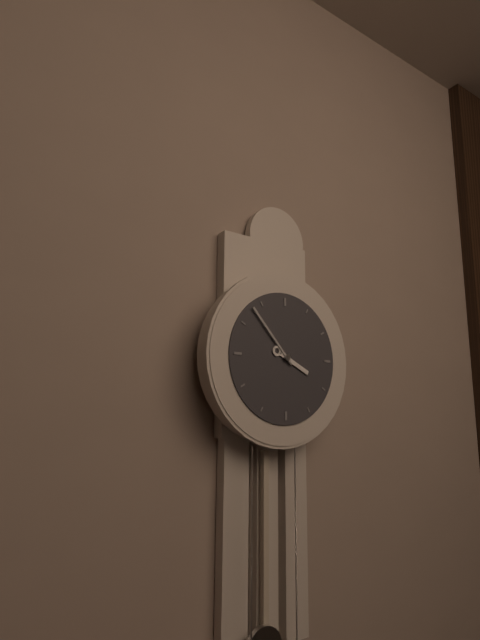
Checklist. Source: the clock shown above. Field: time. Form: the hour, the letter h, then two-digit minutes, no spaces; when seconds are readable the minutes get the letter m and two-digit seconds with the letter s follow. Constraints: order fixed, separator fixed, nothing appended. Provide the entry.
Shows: 3h53
